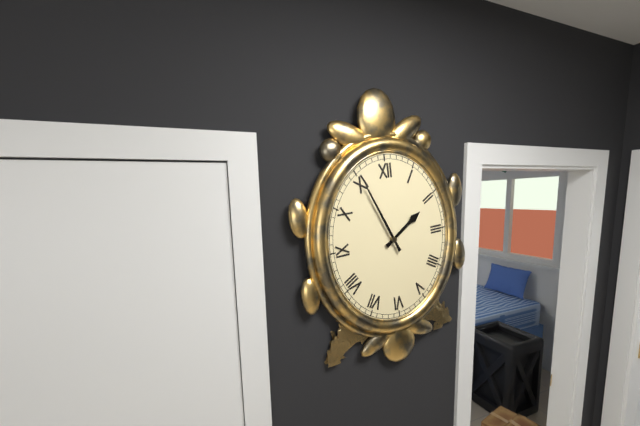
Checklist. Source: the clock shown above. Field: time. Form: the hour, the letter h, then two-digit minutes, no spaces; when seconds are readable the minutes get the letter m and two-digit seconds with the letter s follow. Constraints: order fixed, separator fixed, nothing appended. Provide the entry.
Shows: 1h56
